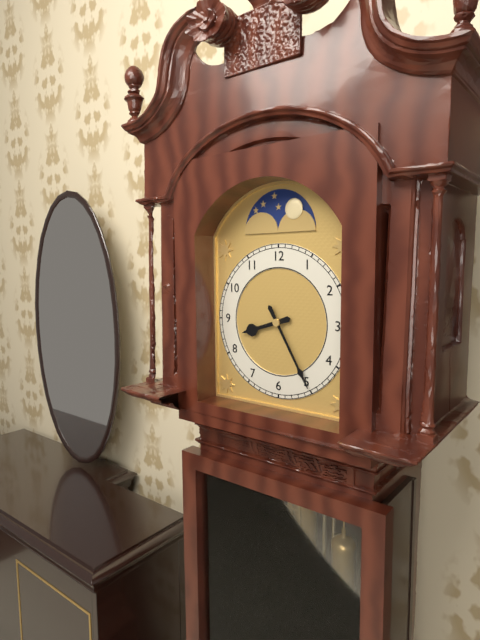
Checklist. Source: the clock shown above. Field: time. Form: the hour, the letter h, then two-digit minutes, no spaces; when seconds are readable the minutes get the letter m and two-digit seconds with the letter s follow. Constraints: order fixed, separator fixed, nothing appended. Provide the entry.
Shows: 8h25
